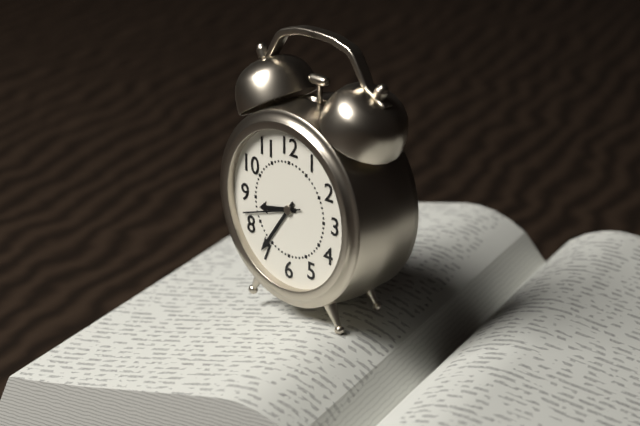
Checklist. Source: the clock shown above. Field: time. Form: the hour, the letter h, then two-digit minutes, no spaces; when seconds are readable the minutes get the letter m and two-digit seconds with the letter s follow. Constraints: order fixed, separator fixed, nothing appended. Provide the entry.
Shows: 8h36m42s
